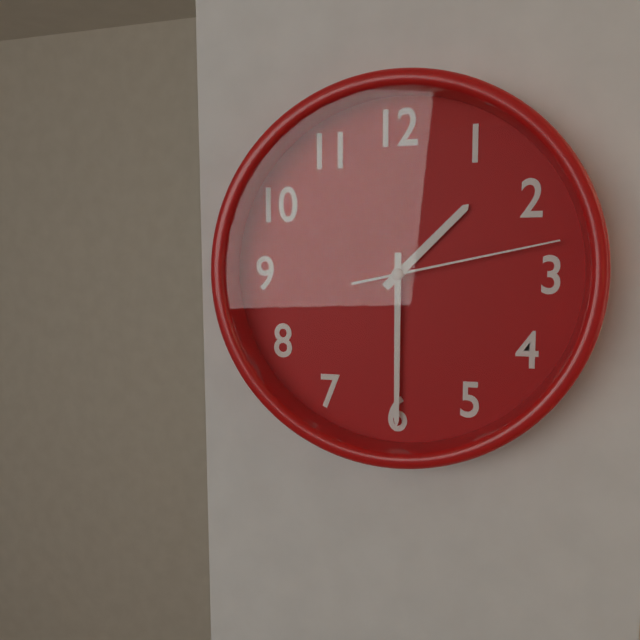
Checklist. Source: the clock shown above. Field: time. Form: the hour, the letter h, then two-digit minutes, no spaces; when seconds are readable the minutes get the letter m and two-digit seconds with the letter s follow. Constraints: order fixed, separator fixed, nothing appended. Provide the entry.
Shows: 1h30m13s
